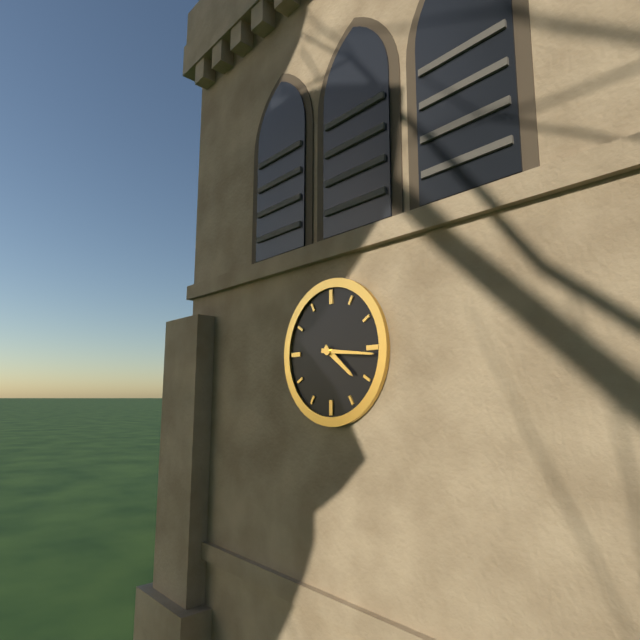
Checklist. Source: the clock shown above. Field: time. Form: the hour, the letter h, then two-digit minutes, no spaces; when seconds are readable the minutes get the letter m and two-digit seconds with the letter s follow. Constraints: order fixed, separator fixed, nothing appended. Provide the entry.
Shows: 4h16
